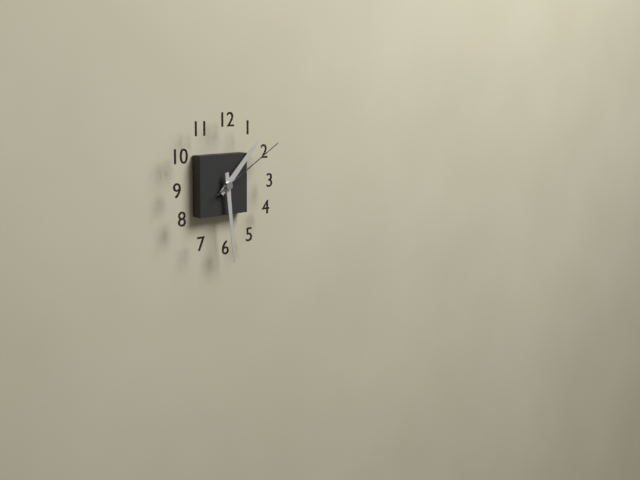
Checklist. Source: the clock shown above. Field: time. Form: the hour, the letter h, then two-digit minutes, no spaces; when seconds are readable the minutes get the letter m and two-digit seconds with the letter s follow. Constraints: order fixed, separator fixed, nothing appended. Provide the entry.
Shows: 1h29m10s
